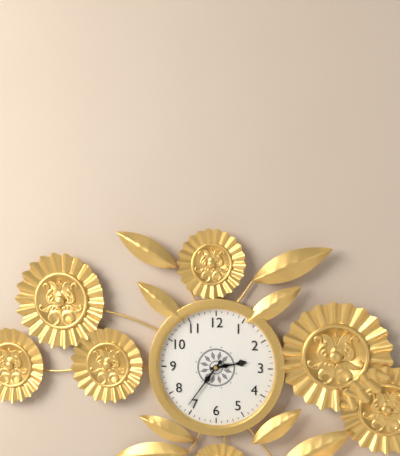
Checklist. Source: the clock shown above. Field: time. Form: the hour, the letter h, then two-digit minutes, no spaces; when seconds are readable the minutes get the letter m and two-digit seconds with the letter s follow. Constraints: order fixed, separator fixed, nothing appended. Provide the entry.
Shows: 2h36
